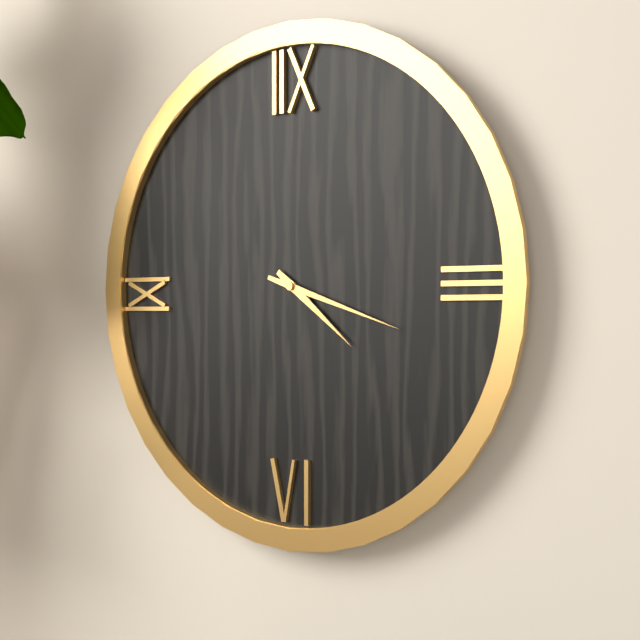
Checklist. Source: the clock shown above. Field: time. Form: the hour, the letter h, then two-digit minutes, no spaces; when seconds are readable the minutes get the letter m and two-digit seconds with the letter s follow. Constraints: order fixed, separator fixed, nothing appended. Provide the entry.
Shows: 4h18
